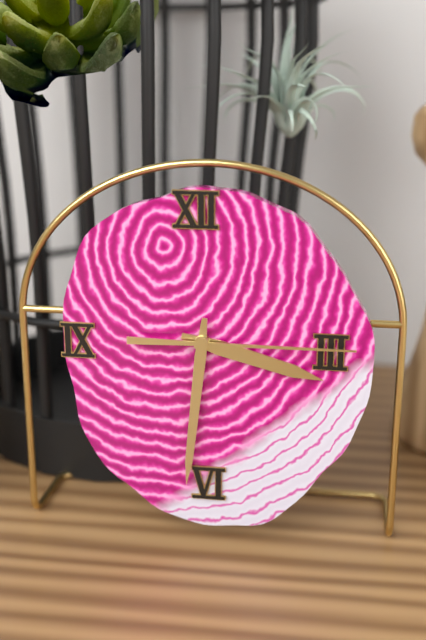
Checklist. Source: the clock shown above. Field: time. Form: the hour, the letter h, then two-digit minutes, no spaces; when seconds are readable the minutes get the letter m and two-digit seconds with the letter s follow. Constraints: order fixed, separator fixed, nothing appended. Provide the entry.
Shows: 3h31m15s
